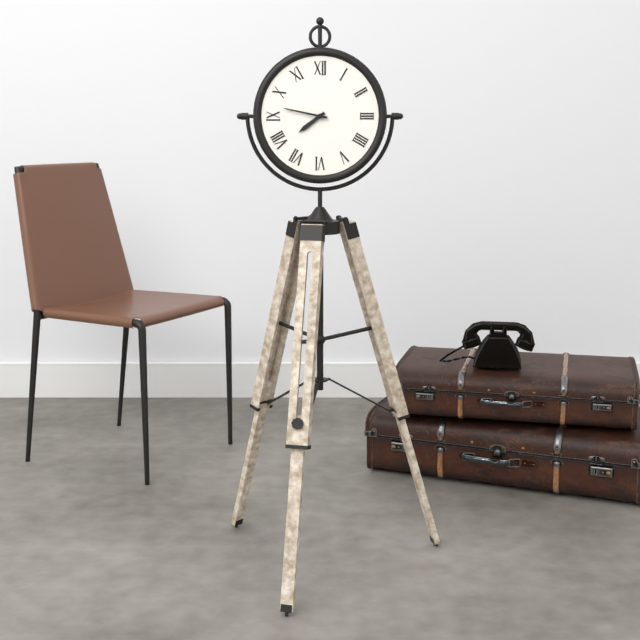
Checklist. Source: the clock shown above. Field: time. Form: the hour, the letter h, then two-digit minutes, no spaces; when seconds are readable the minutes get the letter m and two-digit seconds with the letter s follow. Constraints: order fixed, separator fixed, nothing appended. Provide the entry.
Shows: 7h47
